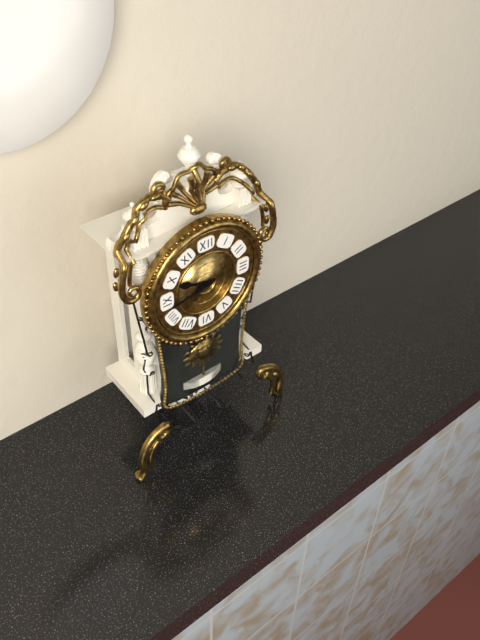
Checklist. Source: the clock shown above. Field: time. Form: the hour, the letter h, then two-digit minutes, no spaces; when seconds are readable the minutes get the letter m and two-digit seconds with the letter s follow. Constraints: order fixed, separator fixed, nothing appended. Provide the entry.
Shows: 9h43
